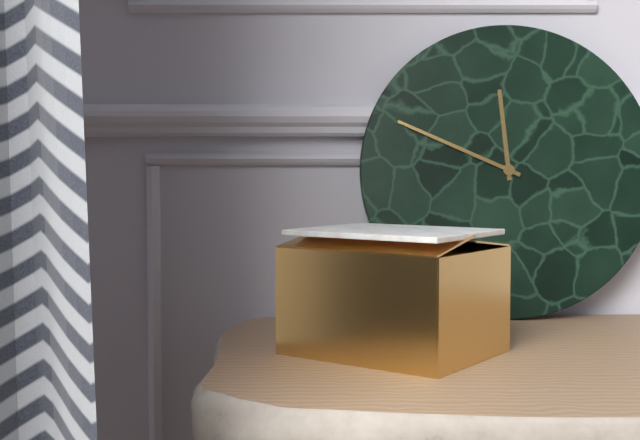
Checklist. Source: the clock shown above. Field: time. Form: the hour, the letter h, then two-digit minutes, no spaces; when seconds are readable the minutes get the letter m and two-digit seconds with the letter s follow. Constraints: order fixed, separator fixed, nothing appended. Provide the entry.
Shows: 11h49
